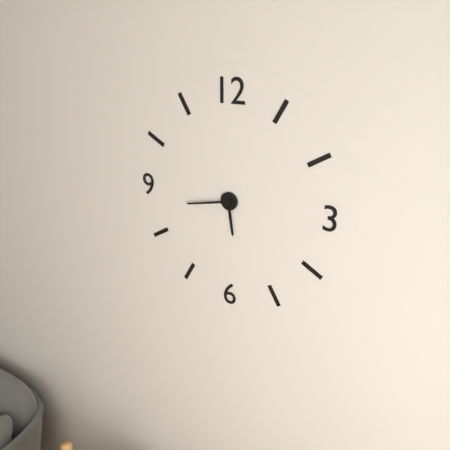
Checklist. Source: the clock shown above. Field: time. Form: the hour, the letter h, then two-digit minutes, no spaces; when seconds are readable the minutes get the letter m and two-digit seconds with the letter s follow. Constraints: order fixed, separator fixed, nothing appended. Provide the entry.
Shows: 5h43
